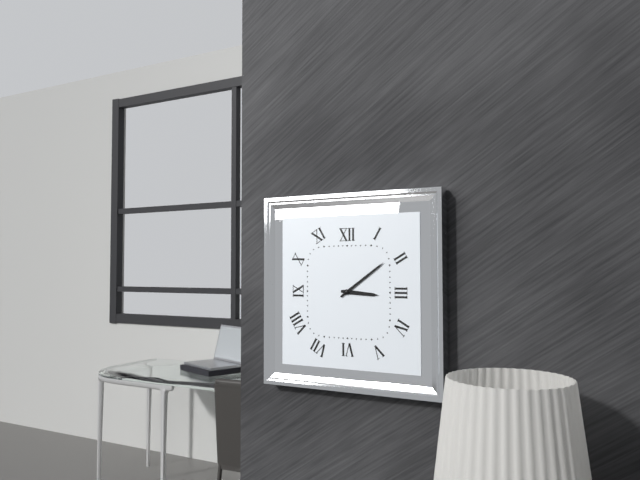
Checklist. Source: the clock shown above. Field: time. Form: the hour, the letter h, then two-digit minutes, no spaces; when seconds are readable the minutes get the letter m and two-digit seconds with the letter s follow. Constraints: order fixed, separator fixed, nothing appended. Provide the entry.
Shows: 3h09
